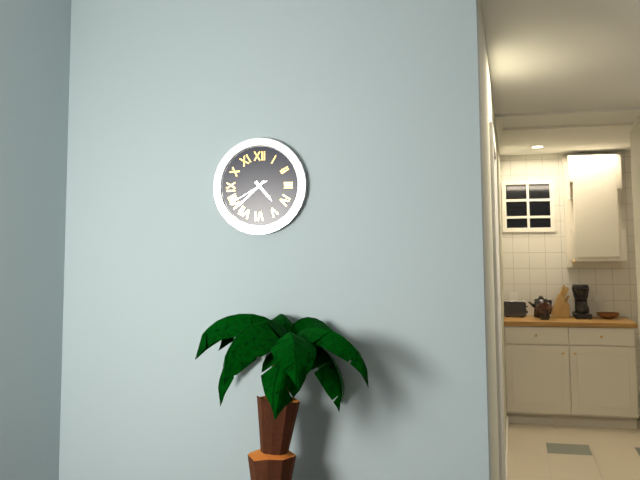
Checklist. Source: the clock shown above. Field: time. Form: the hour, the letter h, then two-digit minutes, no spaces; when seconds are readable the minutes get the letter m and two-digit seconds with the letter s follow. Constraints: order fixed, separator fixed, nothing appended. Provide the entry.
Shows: 4h38
